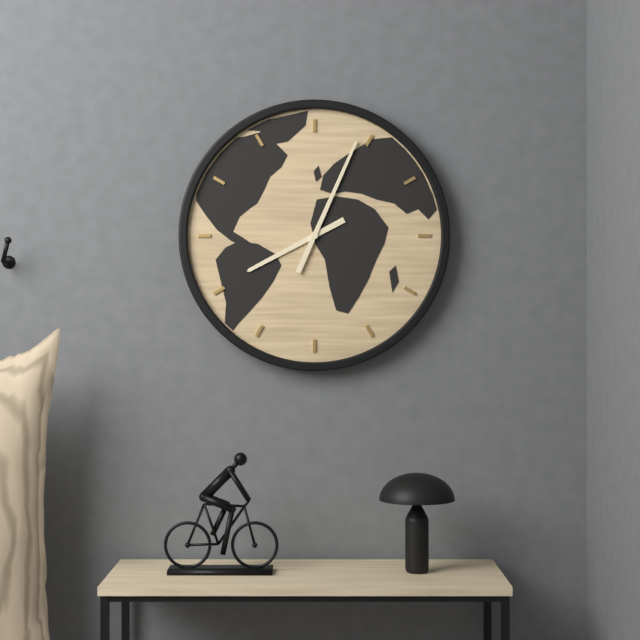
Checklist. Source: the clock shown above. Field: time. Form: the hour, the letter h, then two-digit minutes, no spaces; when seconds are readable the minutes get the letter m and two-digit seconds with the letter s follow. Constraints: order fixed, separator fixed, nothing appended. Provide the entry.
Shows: 8h04
